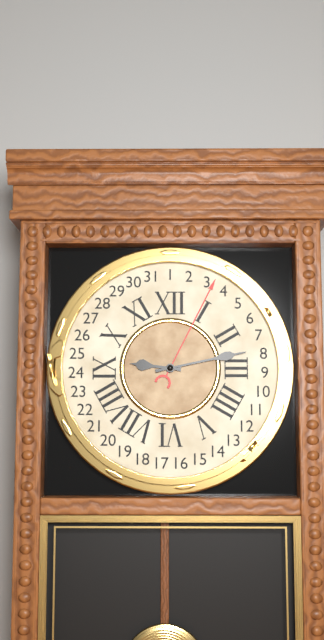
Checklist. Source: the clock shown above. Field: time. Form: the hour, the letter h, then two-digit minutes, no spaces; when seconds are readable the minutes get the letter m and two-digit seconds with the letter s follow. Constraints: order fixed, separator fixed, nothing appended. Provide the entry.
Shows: 9h13
